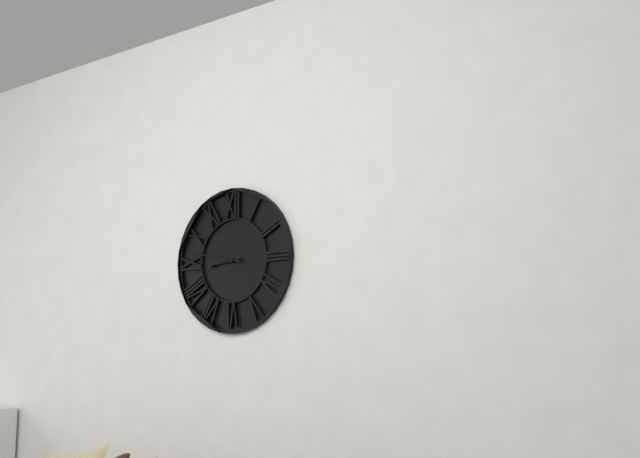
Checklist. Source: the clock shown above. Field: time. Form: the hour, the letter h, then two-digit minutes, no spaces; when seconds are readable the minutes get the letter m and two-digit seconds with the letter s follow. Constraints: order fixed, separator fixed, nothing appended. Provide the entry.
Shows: 8h47
